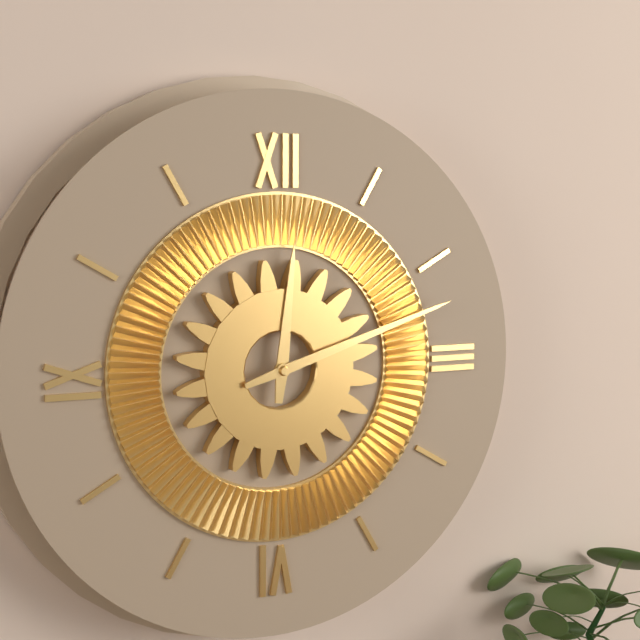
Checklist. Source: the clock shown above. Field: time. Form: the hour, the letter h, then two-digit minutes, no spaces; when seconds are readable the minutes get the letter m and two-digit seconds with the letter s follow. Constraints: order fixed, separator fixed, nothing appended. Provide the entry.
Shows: 12h12
